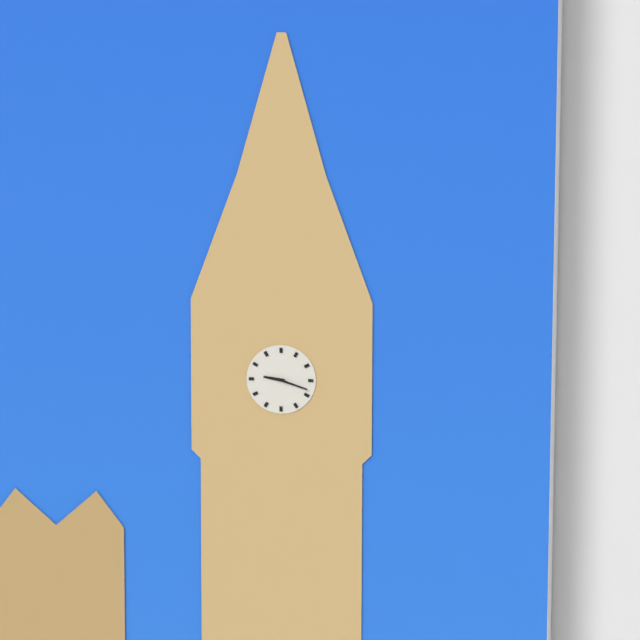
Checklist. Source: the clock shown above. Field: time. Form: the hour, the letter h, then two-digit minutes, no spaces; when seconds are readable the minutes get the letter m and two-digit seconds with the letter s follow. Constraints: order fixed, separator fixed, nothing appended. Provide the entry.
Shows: 9h18
